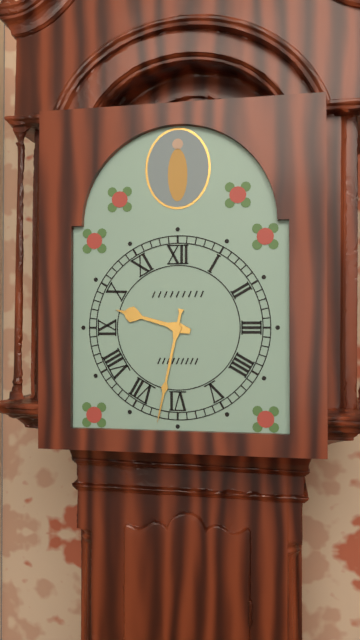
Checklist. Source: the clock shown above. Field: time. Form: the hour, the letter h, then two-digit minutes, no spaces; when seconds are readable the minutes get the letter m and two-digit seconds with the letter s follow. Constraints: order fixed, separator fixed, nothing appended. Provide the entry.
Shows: 9h32
